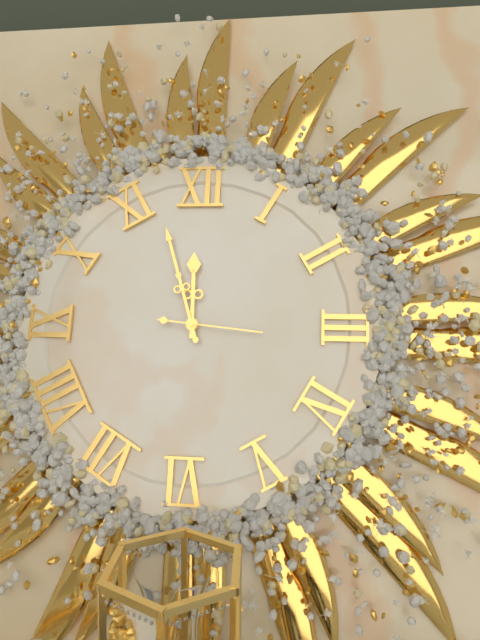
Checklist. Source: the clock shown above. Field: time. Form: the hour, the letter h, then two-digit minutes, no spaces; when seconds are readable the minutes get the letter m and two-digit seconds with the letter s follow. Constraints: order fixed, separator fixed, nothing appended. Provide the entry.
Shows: 11h57m16s
